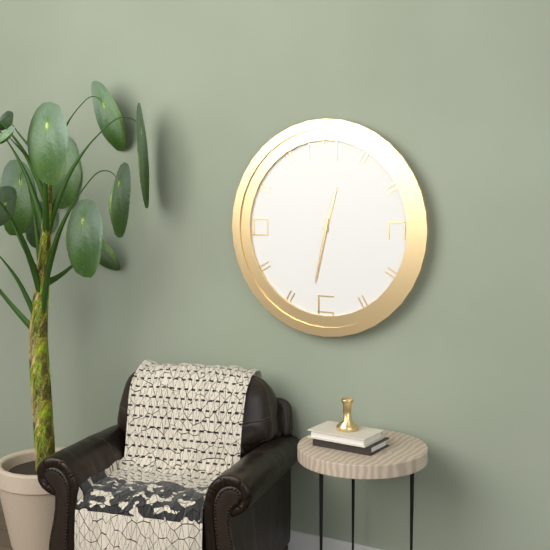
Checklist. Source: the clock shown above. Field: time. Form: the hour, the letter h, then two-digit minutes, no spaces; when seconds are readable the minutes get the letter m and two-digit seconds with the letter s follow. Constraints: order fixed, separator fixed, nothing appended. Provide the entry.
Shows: 12h32
